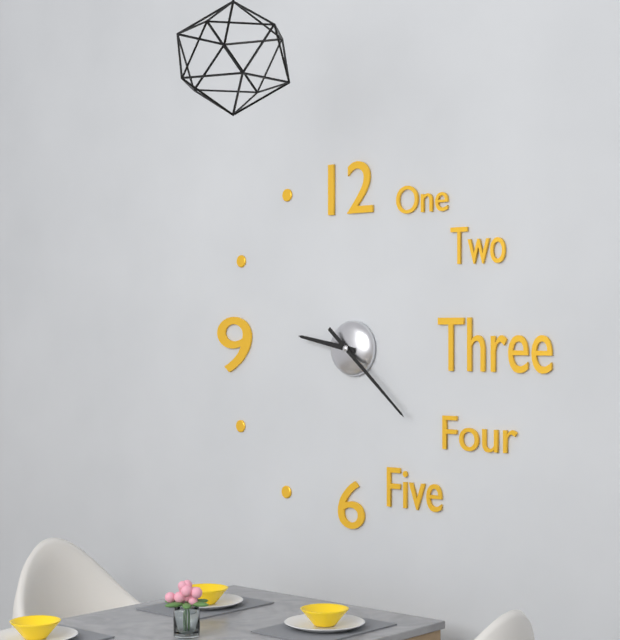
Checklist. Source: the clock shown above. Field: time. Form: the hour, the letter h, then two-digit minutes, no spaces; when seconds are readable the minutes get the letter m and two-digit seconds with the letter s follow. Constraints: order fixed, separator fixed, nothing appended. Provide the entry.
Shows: 9h22
